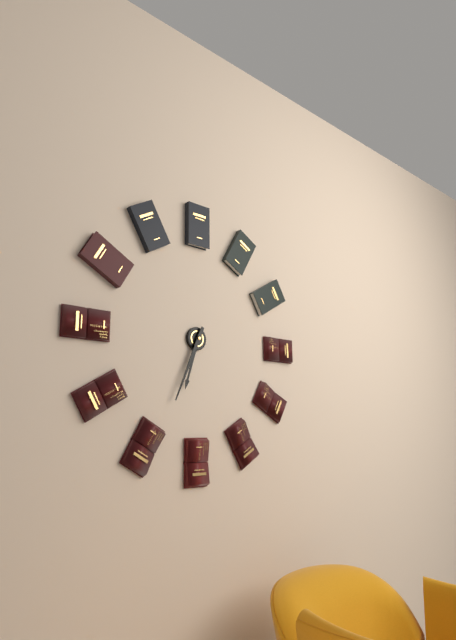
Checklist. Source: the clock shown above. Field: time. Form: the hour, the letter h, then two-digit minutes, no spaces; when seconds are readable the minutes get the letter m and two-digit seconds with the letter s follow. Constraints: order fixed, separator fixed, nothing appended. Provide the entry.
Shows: 6h34
